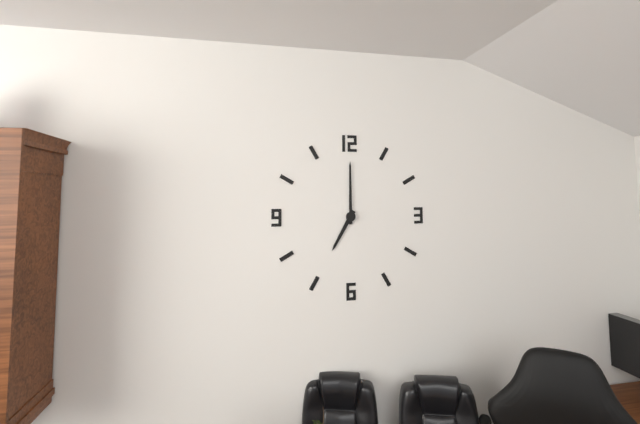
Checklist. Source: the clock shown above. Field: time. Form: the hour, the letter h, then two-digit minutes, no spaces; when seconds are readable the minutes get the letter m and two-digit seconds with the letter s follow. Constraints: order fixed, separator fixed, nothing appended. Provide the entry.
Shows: 7h00
